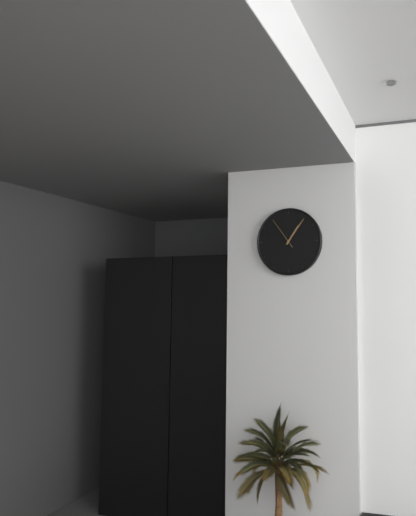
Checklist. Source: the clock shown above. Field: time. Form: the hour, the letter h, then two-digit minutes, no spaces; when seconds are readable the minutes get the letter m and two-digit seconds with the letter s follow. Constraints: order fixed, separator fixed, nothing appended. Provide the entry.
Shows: 1h06
